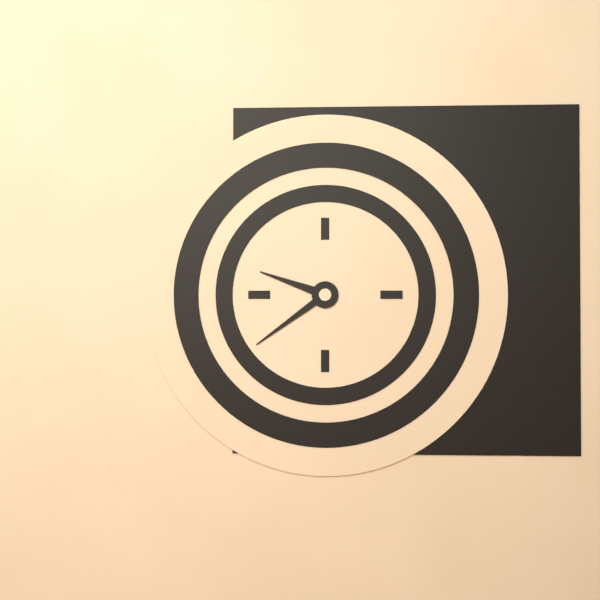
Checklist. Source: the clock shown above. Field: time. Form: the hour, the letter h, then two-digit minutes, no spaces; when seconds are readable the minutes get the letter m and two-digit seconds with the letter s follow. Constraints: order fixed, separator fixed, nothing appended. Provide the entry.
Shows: 9h39
